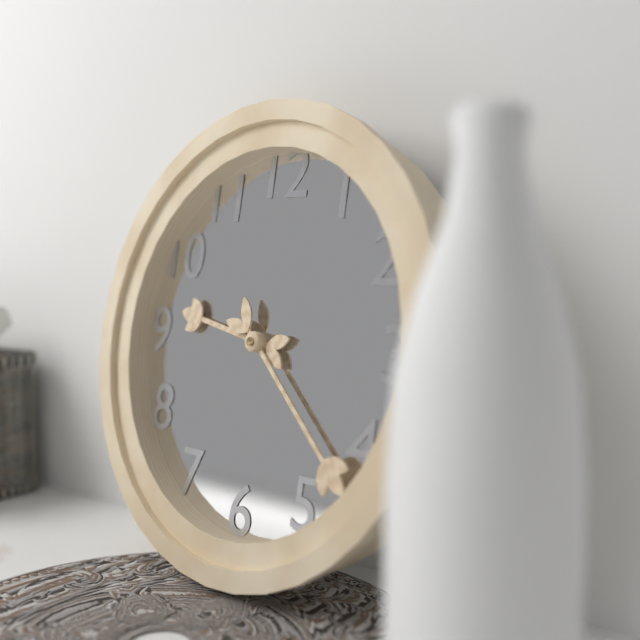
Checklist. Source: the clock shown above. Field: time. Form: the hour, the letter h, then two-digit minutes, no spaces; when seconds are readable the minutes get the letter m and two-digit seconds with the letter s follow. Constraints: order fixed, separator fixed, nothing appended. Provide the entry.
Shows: 9h22
